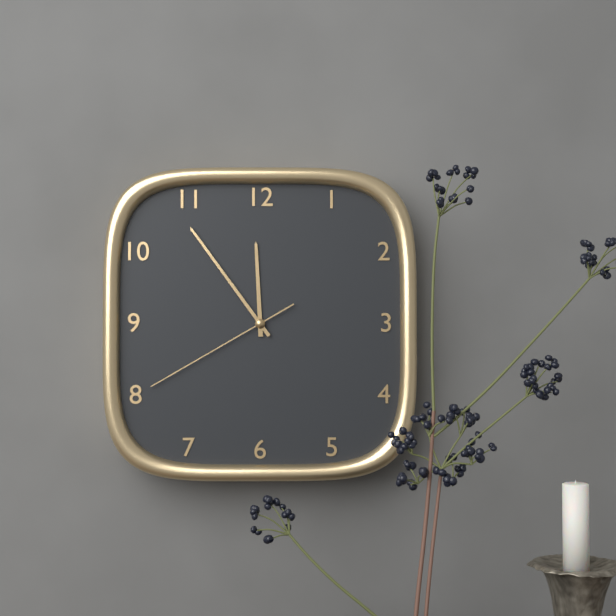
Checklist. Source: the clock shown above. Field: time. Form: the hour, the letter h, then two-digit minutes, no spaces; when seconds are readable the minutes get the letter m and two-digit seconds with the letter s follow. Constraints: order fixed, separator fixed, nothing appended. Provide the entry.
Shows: 11h54m40s
